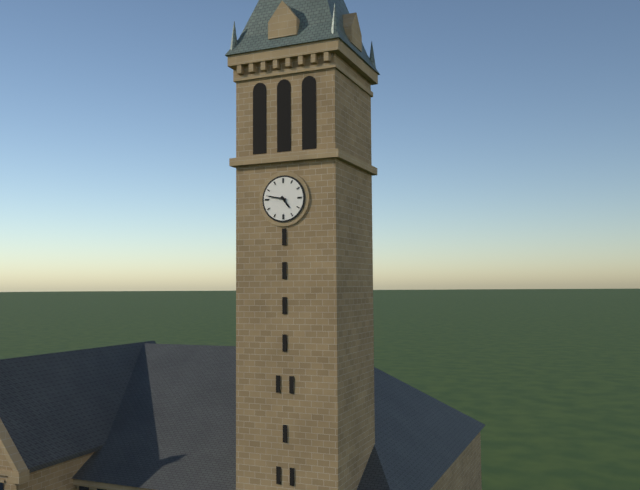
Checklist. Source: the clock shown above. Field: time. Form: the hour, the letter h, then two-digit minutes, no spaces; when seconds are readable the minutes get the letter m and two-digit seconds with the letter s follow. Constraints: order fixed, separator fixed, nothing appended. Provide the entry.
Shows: 4h47
